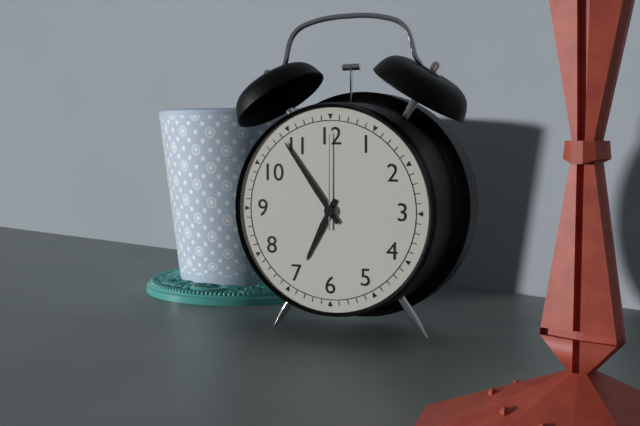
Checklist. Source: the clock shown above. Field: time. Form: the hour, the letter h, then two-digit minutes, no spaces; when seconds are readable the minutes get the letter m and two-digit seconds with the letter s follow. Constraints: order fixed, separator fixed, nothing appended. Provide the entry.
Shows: 6h54m00s
